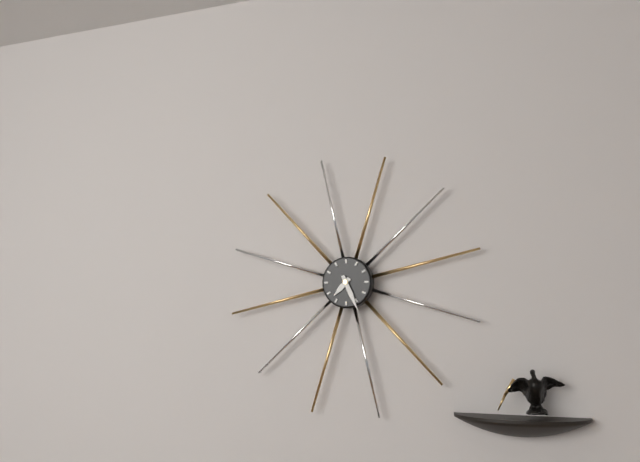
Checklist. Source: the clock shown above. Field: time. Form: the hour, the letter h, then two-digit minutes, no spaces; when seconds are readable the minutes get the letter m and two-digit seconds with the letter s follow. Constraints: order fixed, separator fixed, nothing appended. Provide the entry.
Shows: 7h26
